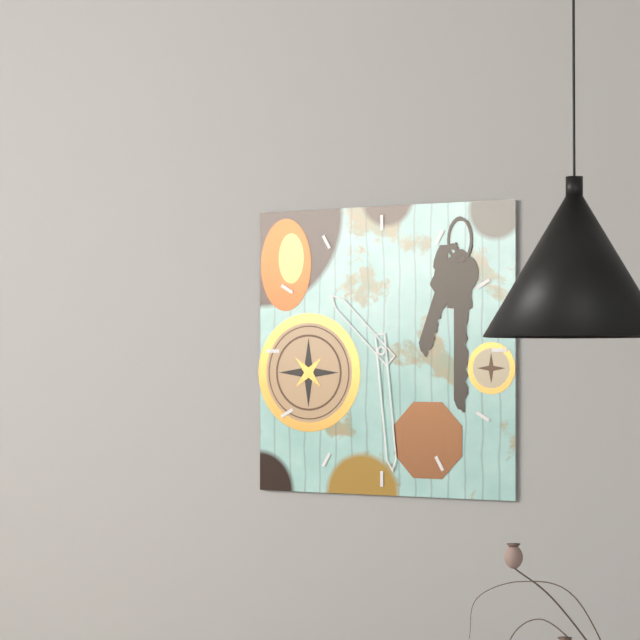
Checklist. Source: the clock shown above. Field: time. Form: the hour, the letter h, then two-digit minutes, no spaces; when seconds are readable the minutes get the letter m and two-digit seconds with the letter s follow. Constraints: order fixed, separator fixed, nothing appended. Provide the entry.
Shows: 10h29
